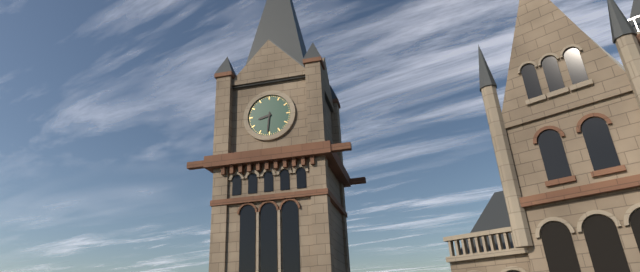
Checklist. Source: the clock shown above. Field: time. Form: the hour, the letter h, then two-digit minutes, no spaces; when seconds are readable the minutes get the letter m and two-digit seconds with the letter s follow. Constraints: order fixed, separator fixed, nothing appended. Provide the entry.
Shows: 8h31
